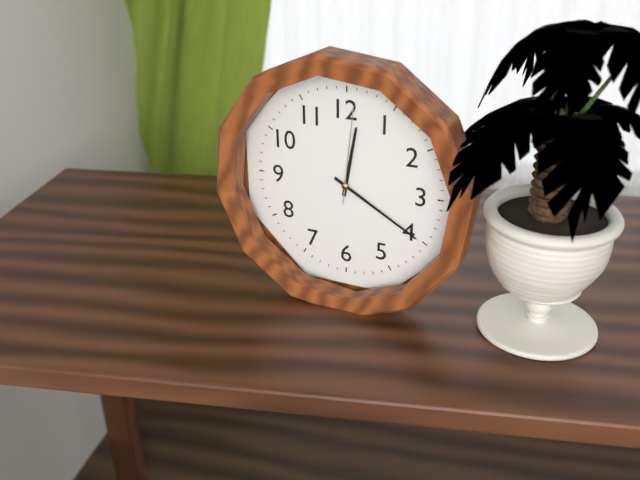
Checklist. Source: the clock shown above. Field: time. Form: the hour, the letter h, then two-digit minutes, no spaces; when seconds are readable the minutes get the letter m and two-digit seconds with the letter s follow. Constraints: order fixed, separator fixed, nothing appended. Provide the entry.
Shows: 12h20m01s
